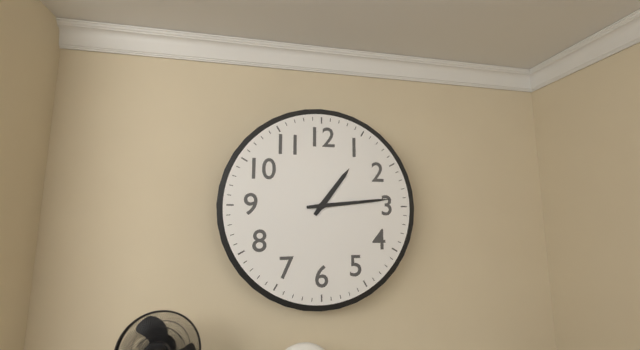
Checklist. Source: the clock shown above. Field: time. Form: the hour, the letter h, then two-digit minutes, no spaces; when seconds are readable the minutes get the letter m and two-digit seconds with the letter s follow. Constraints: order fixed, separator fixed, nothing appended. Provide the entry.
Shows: 1h14
